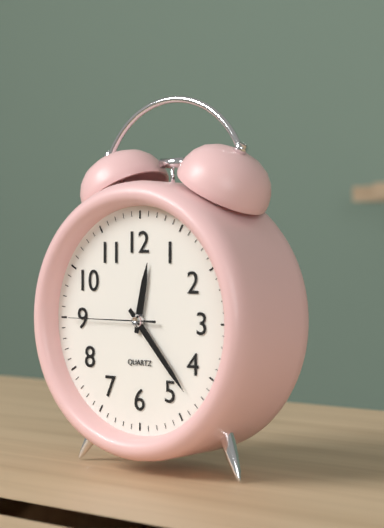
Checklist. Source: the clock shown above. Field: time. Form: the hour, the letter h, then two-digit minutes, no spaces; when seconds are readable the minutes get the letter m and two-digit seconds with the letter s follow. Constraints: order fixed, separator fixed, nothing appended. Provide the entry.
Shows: 12h23m45s
